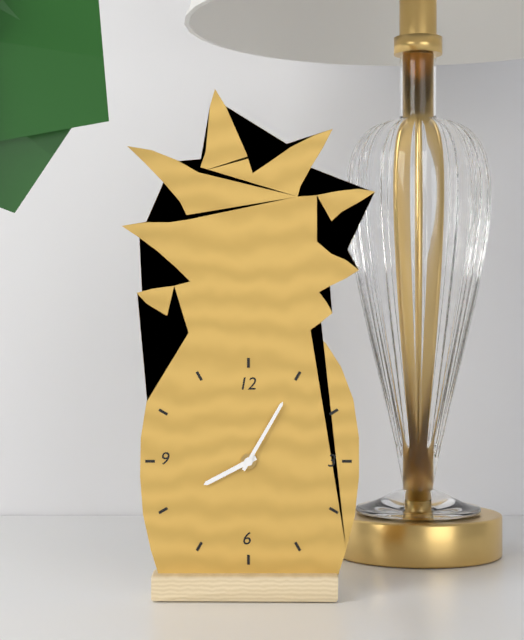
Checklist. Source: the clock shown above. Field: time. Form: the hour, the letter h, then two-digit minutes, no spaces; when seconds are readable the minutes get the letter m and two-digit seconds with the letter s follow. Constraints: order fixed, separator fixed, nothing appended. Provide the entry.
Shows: 8h05
